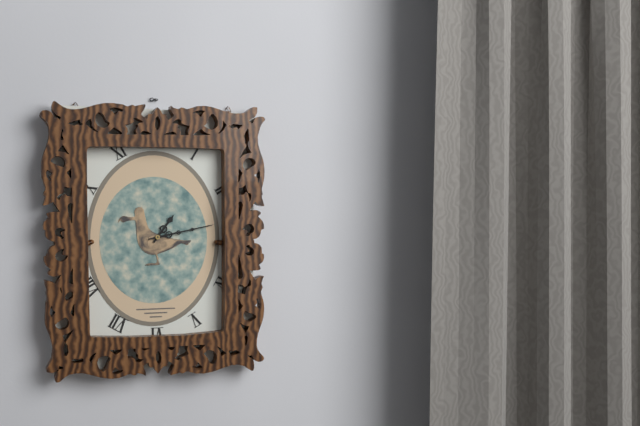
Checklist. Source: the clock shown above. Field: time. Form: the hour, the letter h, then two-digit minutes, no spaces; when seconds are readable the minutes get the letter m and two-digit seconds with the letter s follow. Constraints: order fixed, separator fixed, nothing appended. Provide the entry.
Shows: 1h13
